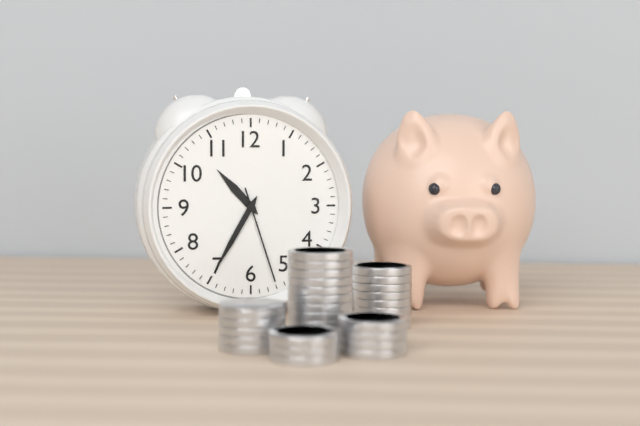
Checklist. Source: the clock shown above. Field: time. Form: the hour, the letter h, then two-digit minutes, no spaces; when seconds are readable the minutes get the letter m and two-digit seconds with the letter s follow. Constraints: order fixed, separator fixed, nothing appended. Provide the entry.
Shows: 10h35m27s
